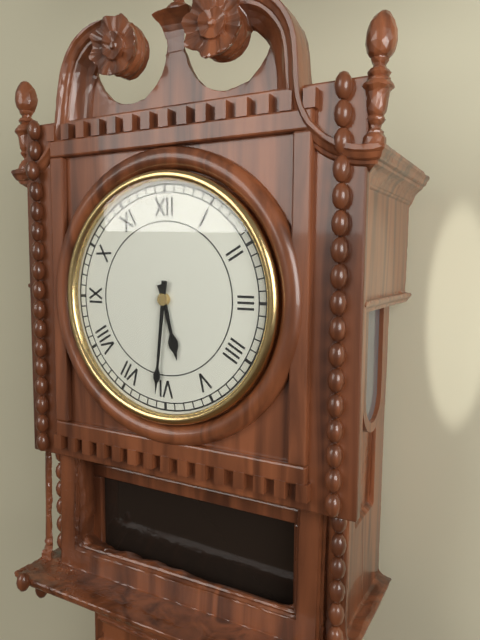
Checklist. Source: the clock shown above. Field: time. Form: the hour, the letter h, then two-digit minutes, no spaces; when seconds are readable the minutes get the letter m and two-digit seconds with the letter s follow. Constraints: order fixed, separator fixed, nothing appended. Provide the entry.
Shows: 5h31
